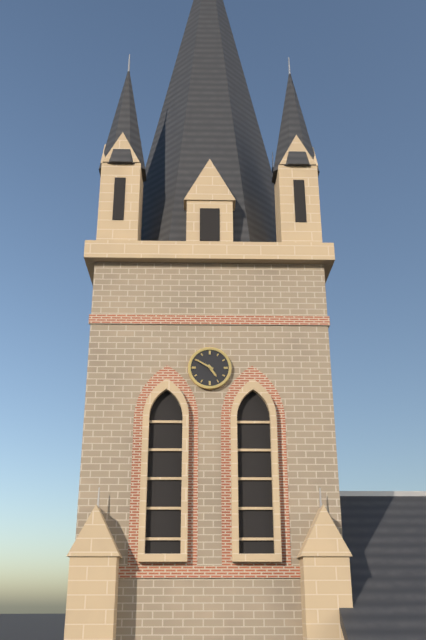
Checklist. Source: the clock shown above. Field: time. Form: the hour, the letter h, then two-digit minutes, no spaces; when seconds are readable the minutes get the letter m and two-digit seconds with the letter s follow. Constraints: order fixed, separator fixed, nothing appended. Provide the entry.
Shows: 4h50
